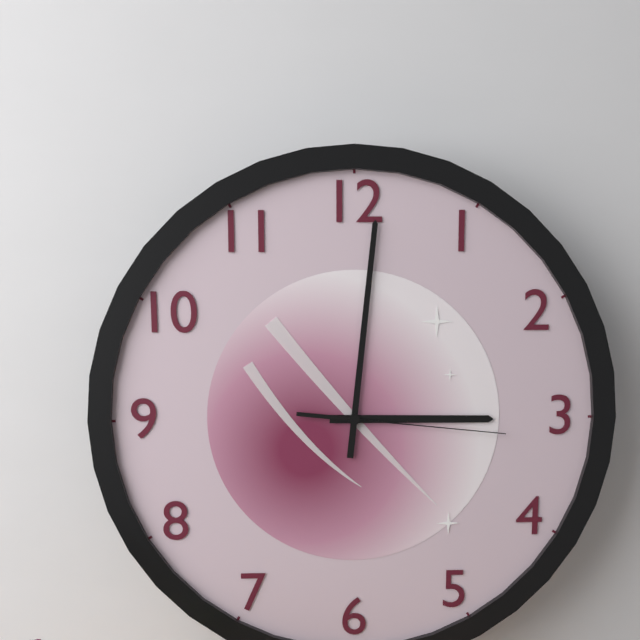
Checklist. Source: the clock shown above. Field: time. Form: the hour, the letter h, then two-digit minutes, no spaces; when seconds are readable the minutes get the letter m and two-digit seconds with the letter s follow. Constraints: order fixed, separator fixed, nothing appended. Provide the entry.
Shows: 3h01m16s
